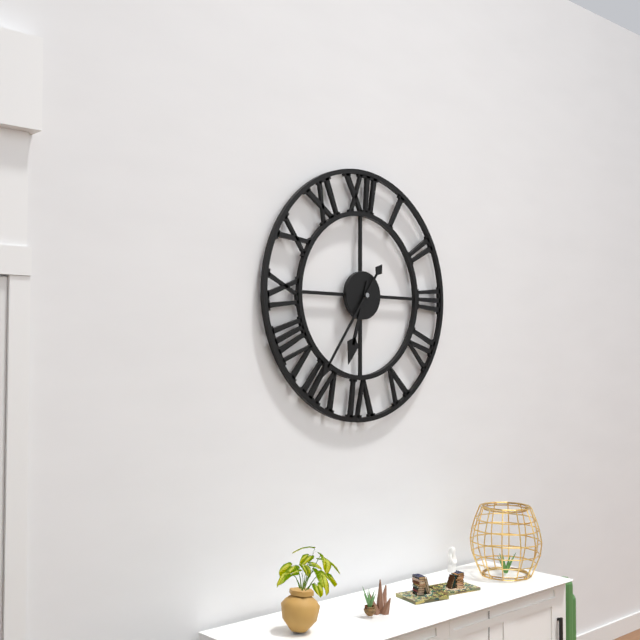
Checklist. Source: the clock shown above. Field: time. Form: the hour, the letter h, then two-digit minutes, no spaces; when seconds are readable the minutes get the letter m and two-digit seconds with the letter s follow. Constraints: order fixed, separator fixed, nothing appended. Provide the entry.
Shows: 6h36
